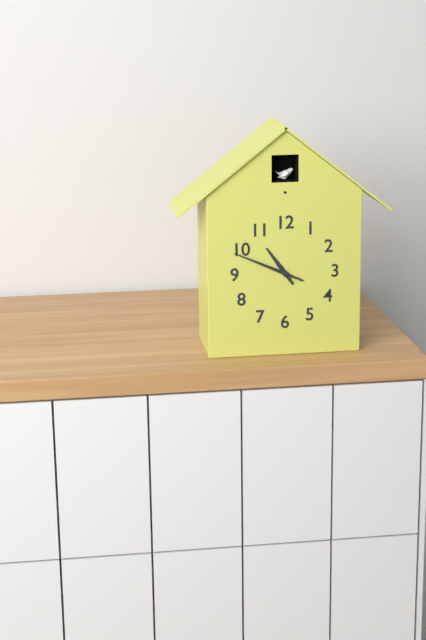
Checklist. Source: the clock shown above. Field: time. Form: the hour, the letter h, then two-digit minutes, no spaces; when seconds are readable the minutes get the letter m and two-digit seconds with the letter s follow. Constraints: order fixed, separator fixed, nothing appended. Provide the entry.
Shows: 10h49
